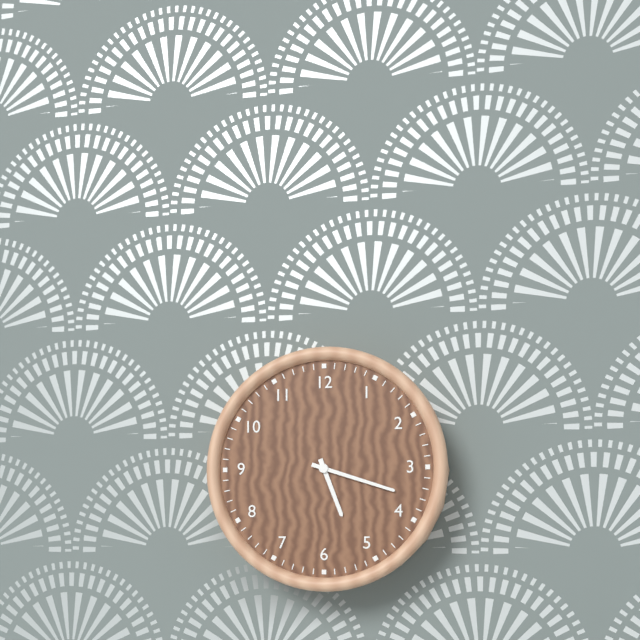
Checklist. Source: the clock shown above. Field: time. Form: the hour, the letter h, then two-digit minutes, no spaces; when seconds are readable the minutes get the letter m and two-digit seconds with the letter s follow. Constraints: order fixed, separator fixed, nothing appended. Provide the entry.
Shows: 5h18
